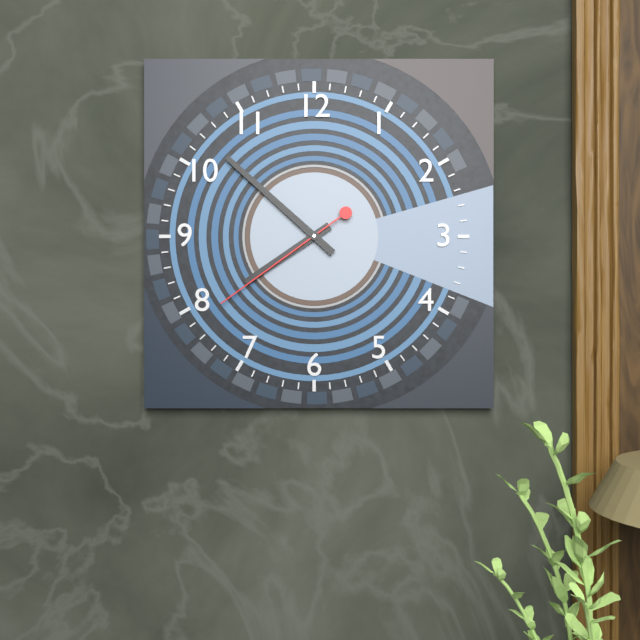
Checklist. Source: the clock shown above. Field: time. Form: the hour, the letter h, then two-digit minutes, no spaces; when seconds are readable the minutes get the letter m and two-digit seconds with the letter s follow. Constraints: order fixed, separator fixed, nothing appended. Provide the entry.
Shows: 7h52m39s
